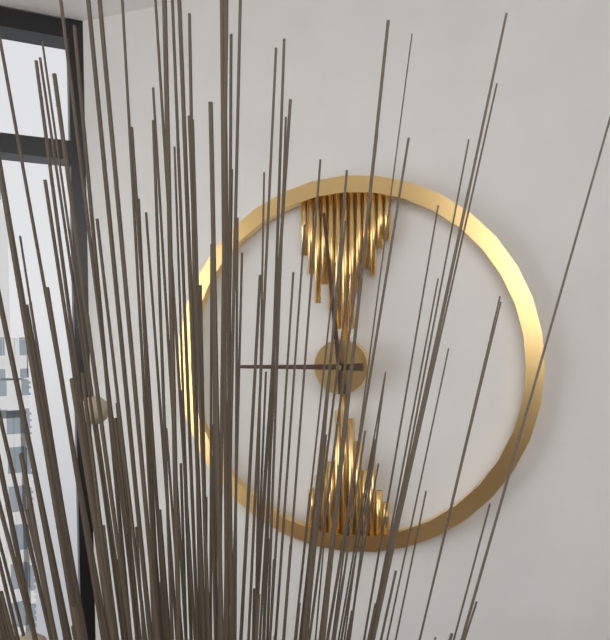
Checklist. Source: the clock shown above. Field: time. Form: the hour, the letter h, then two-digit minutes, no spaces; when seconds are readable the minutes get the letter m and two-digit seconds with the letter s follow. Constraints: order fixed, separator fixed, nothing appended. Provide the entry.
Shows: 8h59
